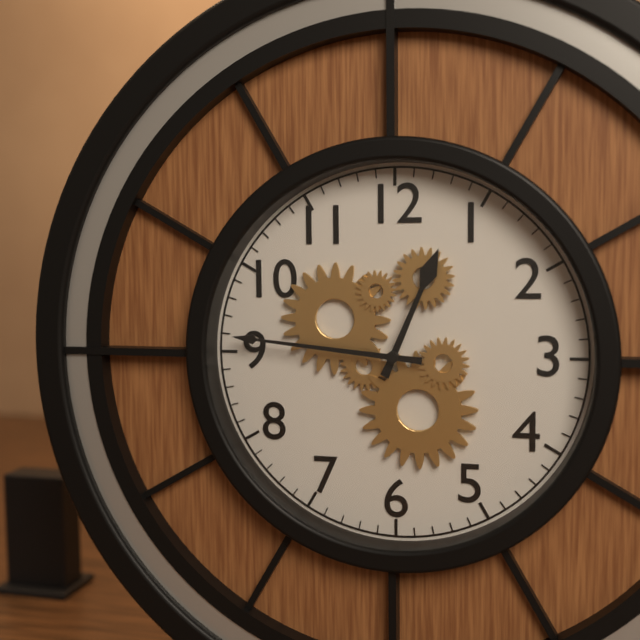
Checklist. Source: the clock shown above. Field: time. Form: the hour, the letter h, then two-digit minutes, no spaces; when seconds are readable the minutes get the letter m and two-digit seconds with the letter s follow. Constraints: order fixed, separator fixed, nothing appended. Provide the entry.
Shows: 12h46
